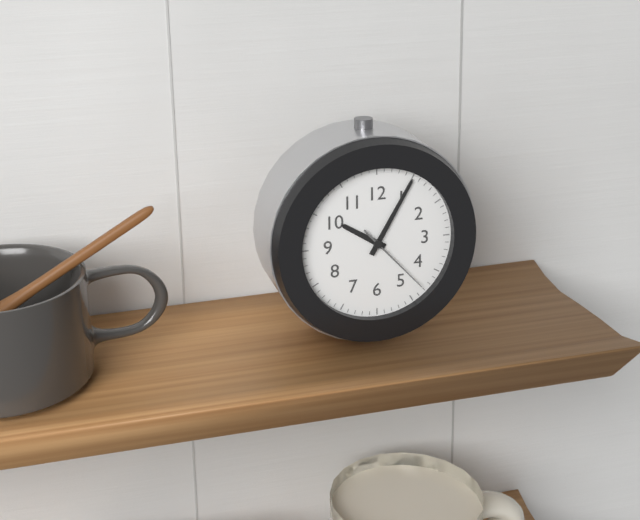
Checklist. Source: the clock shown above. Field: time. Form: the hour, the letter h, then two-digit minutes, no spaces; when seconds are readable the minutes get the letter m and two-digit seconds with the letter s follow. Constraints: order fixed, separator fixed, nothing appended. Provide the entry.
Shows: 10h05m23s
